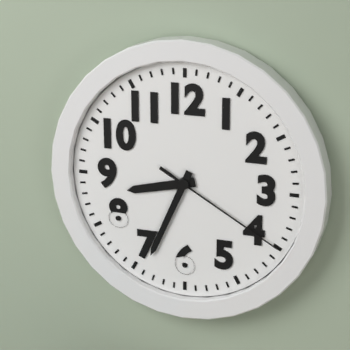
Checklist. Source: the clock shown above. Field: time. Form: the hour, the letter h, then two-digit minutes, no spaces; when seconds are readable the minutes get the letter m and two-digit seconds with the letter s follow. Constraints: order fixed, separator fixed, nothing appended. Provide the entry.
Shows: 8h34m20s
